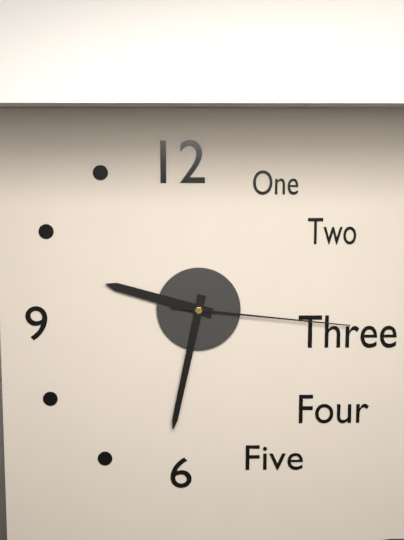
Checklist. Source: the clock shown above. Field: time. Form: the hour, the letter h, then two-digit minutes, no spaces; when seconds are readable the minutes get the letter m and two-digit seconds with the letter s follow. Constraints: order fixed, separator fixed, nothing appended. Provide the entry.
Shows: 9h32m16s
